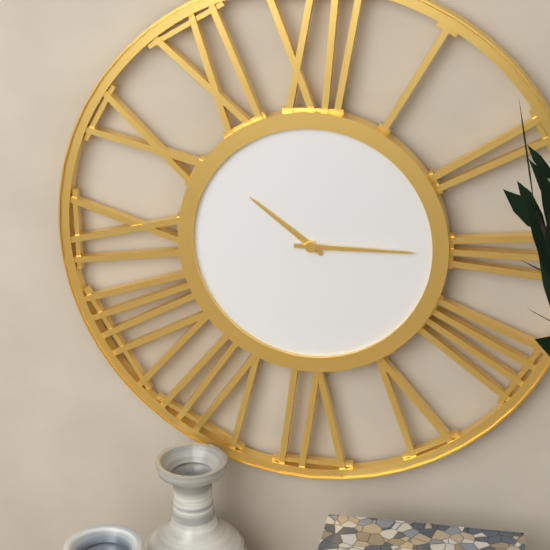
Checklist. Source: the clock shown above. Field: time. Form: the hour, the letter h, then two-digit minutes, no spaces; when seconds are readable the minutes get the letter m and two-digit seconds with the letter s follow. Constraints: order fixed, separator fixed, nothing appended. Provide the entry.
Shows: 10h15
